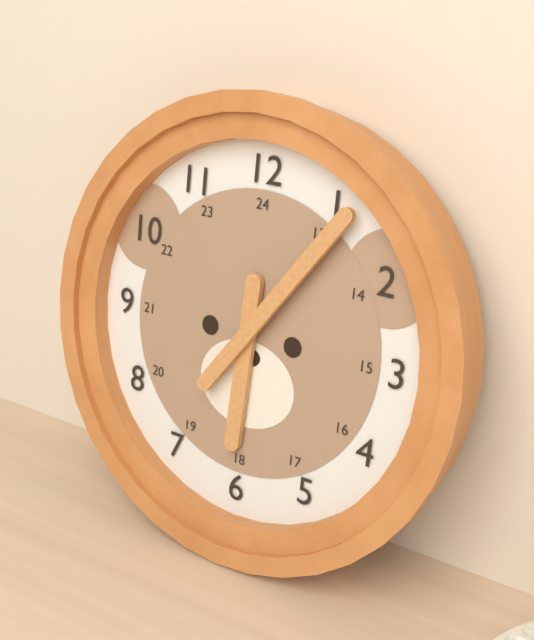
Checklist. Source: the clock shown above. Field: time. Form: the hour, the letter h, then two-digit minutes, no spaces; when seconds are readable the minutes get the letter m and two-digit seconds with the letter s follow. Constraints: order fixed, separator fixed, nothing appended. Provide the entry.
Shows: 6h06
